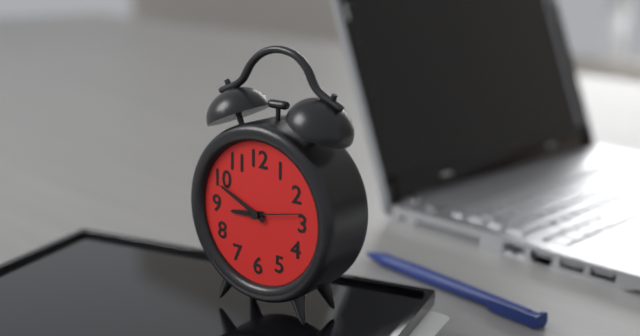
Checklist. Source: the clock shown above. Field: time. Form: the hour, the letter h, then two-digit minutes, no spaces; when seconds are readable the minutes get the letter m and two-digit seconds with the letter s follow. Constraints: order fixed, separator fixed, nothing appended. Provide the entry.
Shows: 8h49m13s
